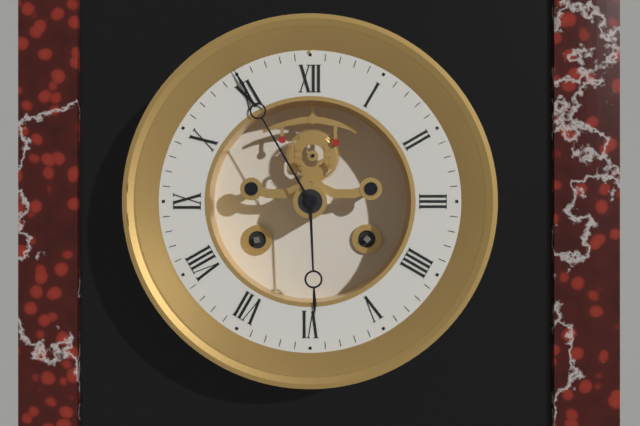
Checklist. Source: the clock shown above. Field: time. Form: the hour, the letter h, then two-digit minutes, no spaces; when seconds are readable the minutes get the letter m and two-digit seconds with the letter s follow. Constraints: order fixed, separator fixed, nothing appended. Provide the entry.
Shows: 5h55
